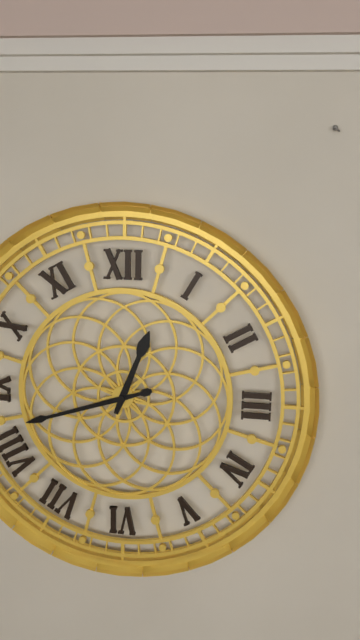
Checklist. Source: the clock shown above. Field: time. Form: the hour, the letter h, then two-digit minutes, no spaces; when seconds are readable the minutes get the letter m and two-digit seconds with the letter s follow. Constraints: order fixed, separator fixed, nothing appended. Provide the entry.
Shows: 12h42
